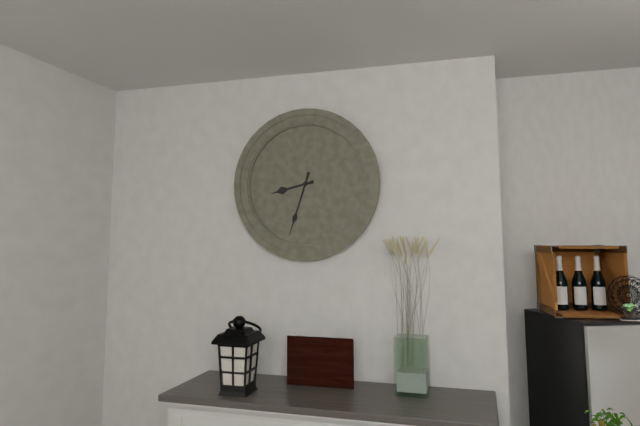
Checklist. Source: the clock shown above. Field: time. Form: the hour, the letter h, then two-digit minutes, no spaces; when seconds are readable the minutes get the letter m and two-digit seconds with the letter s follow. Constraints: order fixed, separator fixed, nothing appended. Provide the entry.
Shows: 8h33
